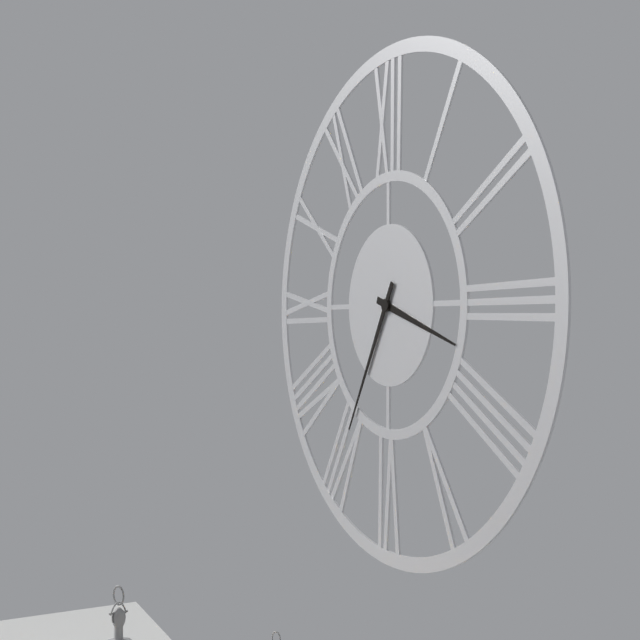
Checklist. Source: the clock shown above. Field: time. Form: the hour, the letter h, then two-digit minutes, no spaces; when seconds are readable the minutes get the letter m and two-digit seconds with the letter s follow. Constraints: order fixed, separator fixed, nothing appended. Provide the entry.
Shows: 3h35
